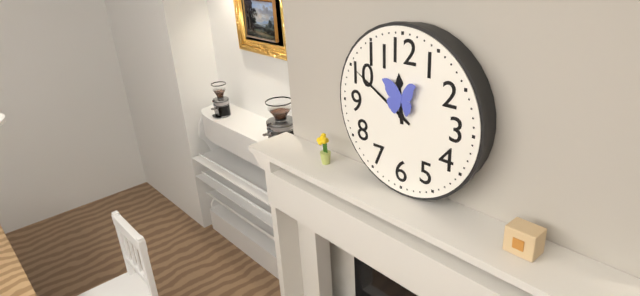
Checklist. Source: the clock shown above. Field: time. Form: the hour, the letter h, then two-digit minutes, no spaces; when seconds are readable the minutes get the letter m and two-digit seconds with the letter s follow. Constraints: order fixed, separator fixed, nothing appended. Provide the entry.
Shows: 11h50
